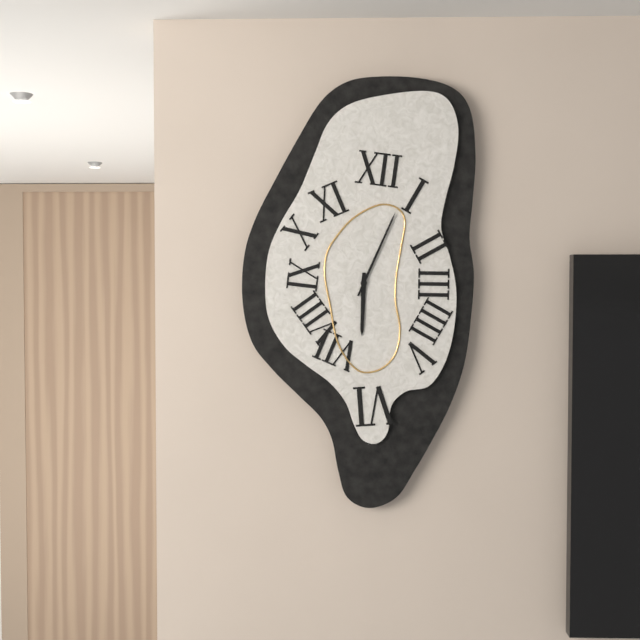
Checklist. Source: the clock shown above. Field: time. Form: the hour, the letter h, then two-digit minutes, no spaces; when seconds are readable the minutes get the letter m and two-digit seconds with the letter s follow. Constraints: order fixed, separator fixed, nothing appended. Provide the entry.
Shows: 6h04
